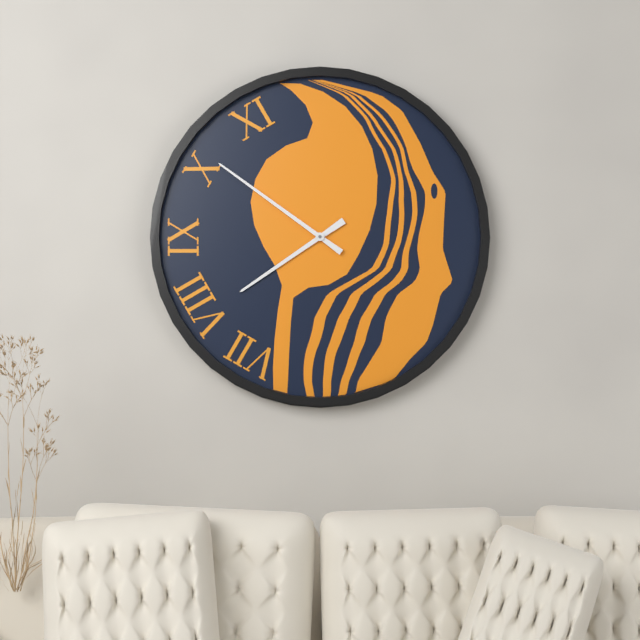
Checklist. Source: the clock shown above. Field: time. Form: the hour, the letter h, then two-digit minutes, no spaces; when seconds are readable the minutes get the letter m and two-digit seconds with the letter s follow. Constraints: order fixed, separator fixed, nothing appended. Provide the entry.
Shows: 7h51
